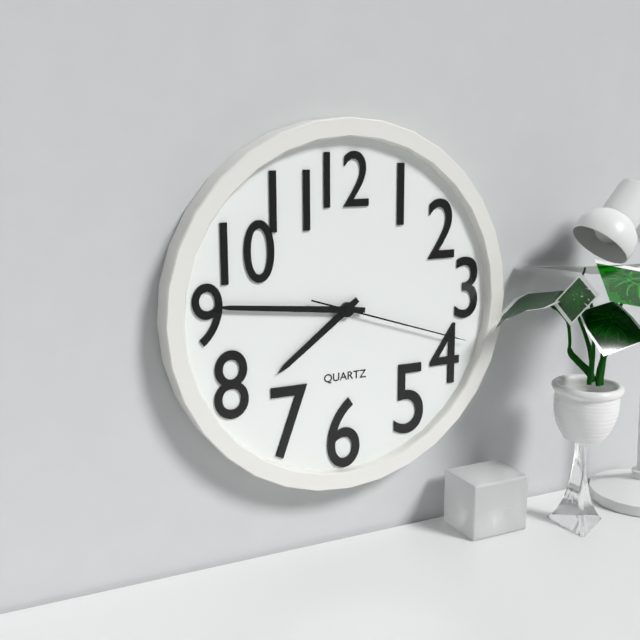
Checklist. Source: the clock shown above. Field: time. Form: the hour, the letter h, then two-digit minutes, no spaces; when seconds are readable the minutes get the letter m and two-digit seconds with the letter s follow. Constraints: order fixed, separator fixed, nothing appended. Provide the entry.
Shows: 7h46m18s
